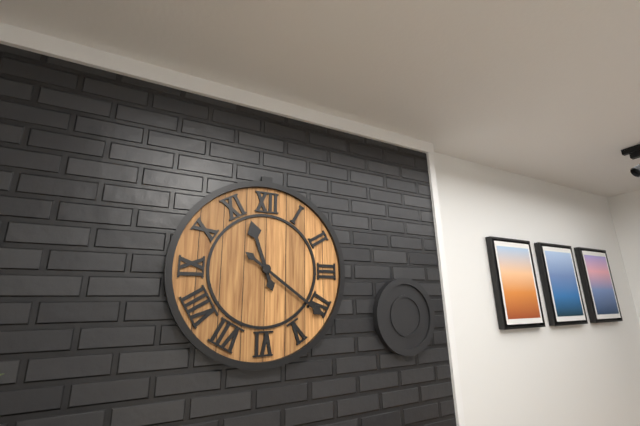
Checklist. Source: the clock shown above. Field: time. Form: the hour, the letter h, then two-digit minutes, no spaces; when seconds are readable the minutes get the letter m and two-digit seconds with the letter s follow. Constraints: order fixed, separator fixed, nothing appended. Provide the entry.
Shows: 11h21
